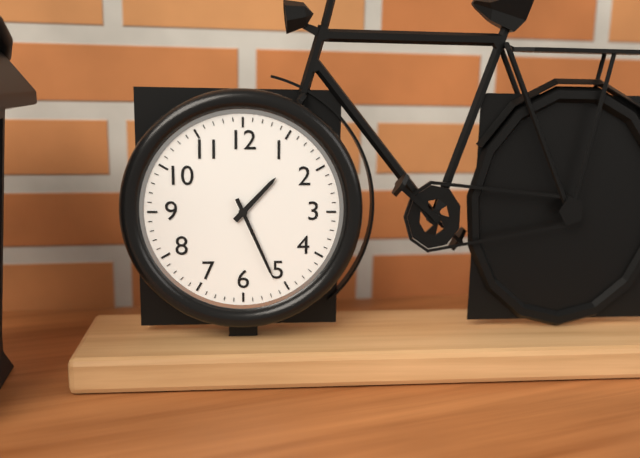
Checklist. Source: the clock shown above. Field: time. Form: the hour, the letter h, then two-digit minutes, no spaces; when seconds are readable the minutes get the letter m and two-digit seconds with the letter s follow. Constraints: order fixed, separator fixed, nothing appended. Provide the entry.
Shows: 1h26
